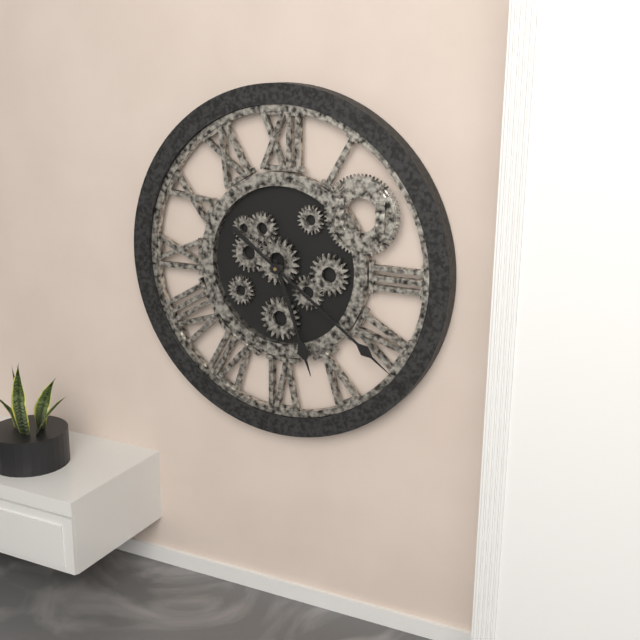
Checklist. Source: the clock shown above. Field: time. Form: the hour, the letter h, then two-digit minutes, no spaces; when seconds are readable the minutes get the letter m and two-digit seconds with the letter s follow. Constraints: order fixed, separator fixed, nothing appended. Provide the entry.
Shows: 5h21
